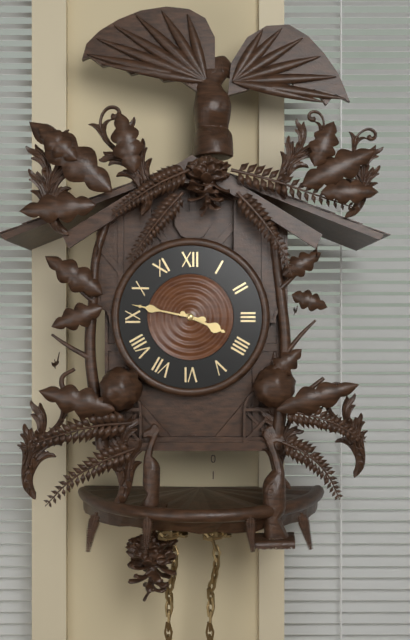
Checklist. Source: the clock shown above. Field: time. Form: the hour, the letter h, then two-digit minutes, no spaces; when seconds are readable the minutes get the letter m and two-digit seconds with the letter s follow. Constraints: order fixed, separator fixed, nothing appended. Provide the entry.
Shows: 3h47
